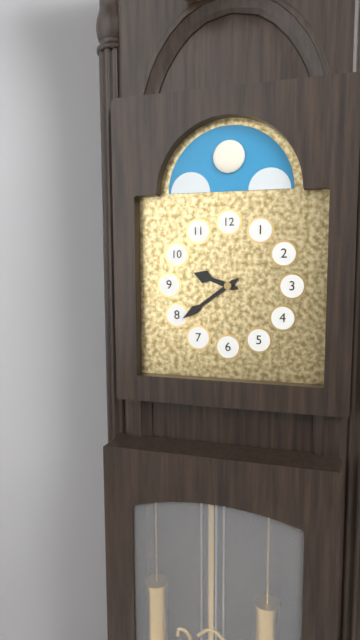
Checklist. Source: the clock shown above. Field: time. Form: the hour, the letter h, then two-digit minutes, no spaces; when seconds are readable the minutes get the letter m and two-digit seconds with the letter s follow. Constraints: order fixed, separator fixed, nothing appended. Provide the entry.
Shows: 9h39
